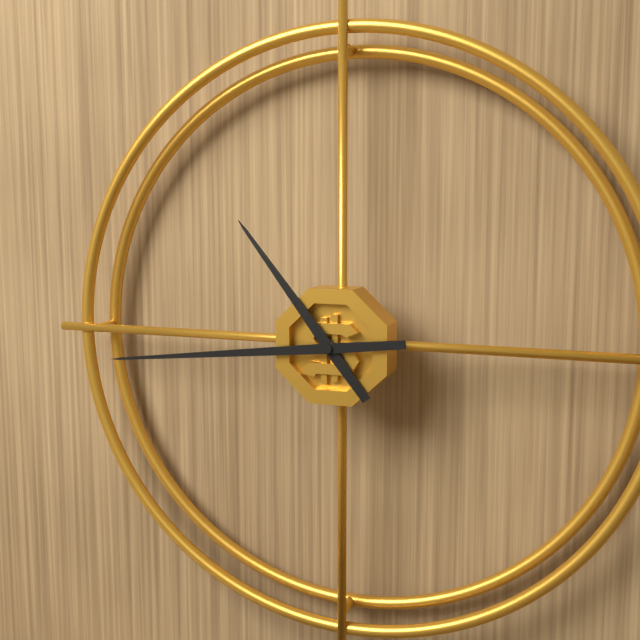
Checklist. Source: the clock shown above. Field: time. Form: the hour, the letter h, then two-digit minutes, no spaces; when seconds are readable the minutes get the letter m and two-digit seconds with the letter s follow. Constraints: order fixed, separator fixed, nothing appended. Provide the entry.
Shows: 10h44
